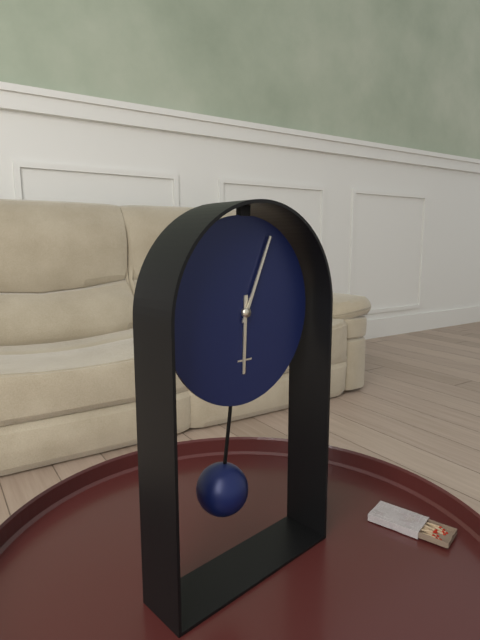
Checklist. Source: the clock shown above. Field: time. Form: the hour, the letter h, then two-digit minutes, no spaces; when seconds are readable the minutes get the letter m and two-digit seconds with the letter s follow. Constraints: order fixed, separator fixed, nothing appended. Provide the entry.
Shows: 6h04
